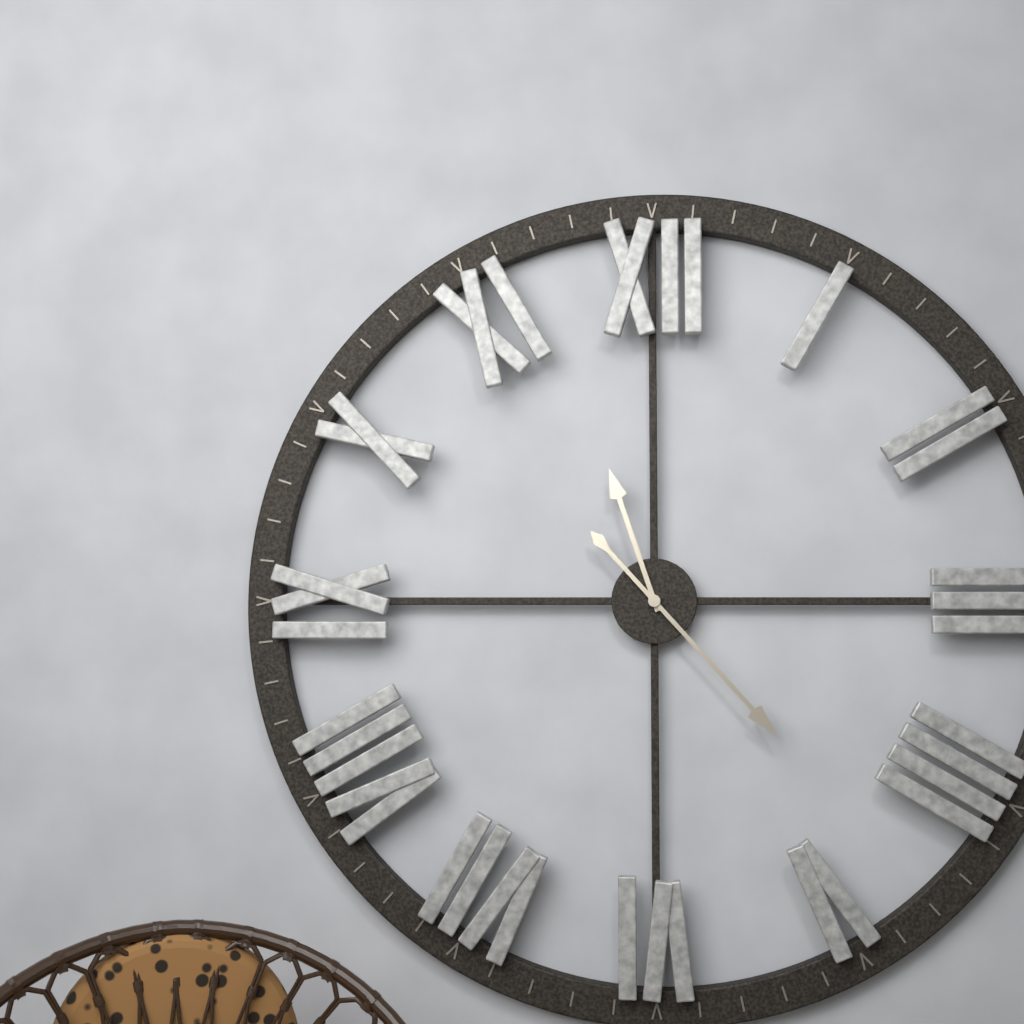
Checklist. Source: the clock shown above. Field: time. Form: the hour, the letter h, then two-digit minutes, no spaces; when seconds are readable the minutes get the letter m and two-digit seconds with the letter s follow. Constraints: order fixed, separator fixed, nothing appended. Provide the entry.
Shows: 11h23
